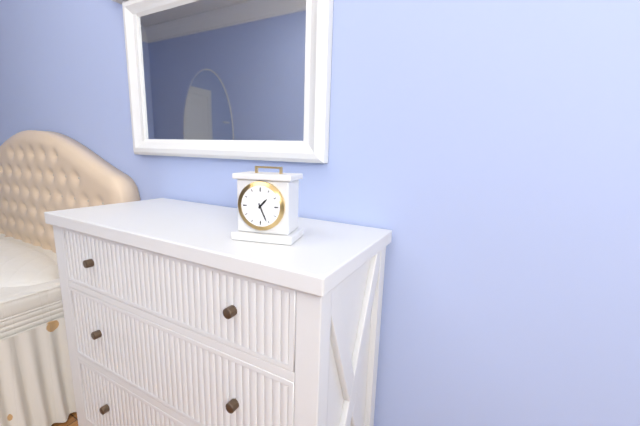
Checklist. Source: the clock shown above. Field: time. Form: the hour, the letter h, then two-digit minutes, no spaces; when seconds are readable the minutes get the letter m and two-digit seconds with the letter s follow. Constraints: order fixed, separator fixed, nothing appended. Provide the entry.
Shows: 1h26
